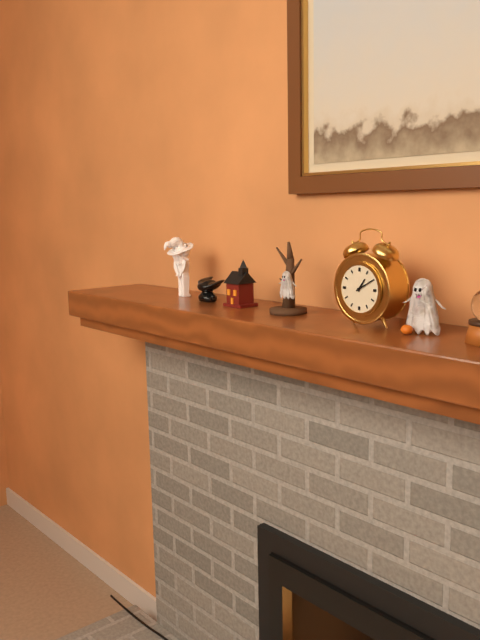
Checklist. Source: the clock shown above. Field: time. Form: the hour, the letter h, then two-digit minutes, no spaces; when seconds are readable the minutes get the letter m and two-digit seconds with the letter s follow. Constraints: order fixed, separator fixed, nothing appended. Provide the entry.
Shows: 1h10
